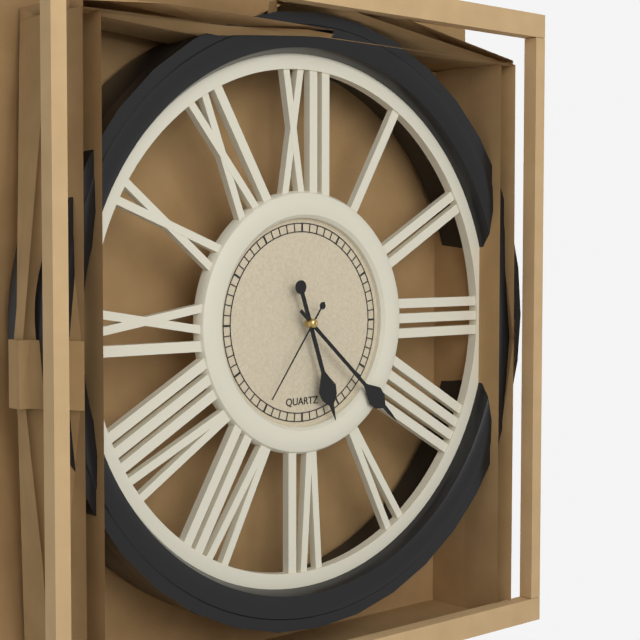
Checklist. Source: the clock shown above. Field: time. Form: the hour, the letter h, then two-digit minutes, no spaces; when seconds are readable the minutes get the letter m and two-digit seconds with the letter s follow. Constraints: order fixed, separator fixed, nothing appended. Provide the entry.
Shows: 5h22m36s
